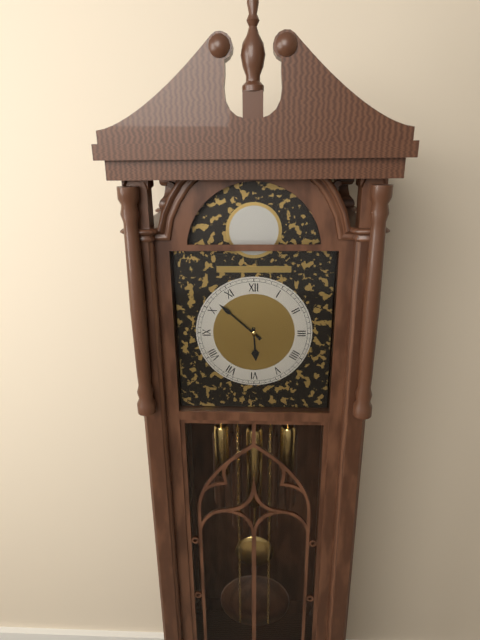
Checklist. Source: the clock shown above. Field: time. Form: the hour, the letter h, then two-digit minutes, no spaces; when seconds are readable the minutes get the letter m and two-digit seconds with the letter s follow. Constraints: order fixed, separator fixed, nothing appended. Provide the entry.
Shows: 5h52
